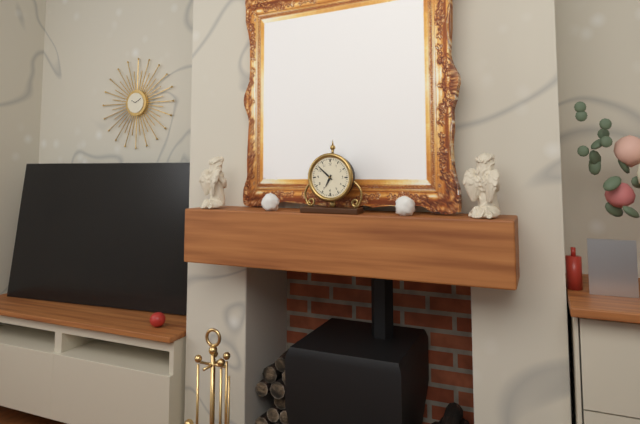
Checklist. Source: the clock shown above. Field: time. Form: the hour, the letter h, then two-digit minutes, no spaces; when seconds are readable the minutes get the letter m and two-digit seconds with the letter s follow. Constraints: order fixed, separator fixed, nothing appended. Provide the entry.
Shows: 6h52
